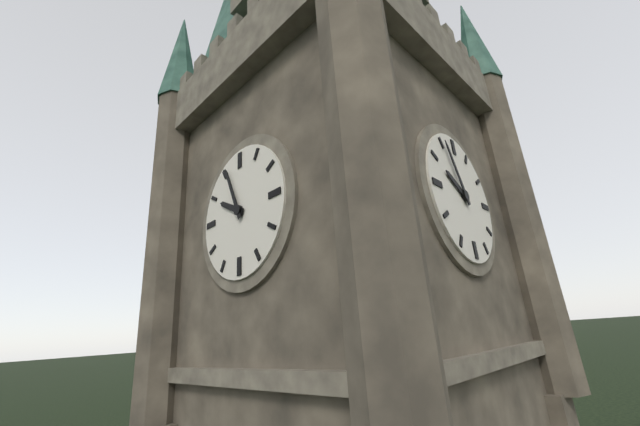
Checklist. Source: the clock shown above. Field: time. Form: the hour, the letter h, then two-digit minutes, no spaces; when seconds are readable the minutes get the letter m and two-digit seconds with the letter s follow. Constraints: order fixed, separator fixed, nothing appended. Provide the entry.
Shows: 9h56
